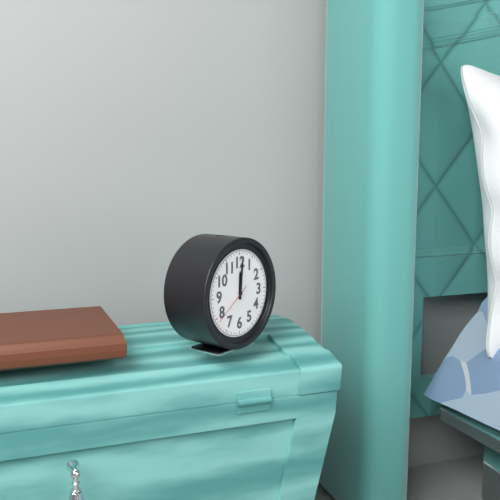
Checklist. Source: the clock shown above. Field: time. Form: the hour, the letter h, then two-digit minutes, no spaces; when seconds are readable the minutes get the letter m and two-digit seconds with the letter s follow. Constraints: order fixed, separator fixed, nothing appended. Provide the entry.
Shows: 12h01
